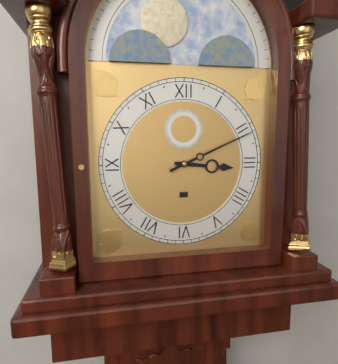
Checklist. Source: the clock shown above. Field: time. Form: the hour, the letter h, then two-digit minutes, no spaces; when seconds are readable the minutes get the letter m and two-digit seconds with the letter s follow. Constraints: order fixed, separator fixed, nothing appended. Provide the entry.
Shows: 3h11
